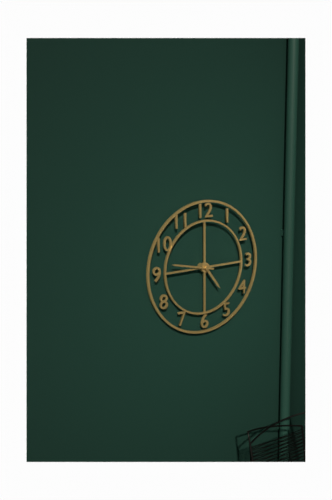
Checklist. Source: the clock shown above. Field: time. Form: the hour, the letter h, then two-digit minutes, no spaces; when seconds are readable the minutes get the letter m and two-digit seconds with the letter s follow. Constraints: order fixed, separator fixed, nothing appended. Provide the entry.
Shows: 4h47
